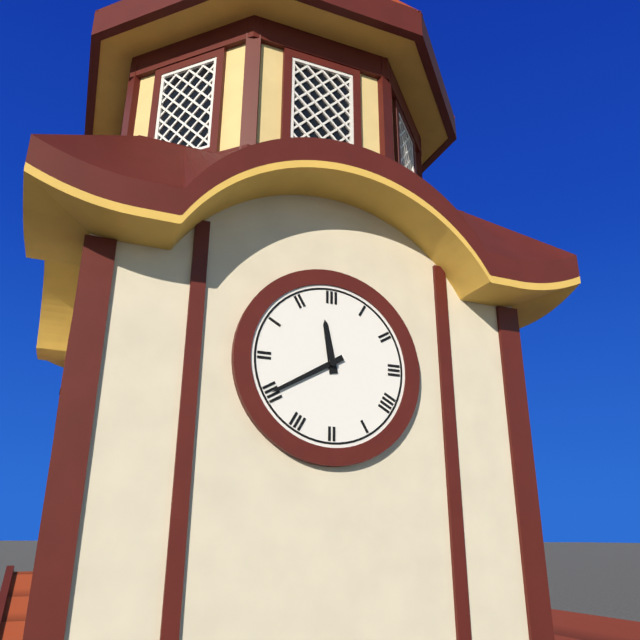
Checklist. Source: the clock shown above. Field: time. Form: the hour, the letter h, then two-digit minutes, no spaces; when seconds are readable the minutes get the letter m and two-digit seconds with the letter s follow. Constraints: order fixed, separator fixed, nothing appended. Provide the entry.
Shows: 11h40
